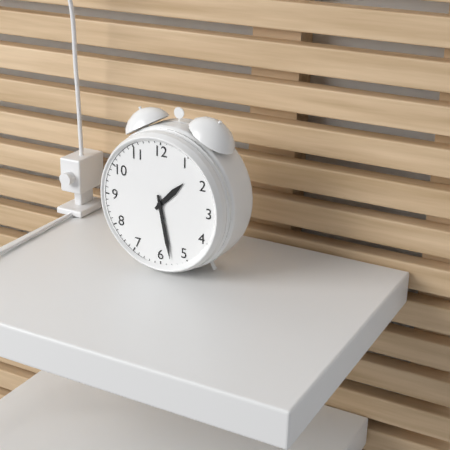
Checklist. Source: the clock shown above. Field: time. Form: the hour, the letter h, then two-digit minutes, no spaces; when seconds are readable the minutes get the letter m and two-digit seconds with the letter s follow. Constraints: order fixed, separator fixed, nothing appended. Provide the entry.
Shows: 1h28
